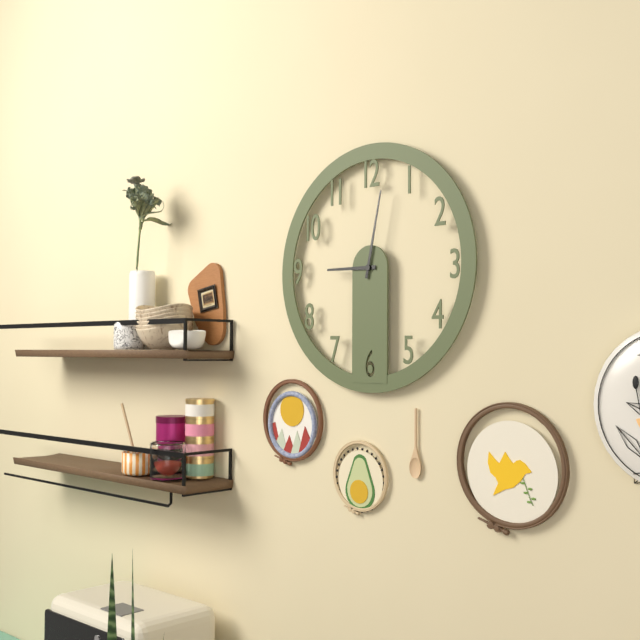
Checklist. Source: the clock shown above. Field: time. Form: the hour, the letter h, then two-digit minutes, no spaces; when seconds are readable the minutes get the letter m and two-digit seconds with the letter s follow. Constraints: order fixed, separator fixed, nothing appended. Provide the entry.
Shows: 9h02
